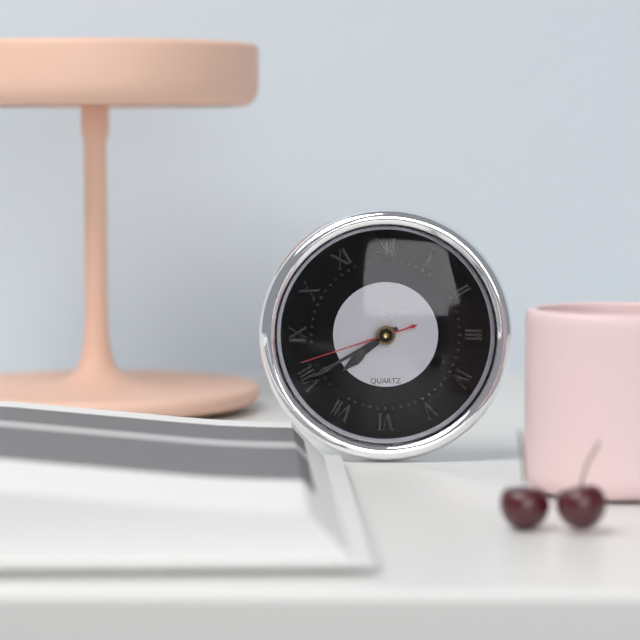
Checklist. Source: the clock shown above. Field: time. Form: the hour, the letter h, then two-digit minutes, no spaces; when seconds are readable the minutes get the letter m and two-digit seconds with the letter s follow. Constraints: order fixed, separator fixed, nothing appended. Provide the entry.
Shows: 7h40m42s
